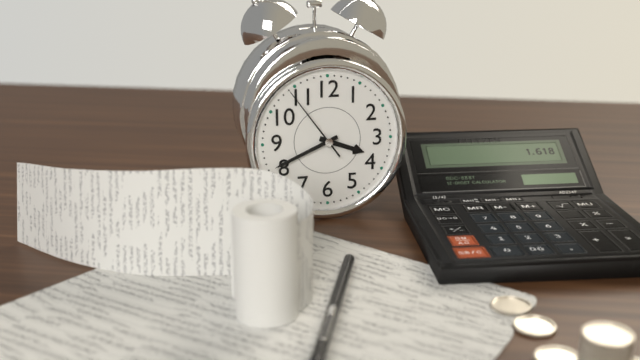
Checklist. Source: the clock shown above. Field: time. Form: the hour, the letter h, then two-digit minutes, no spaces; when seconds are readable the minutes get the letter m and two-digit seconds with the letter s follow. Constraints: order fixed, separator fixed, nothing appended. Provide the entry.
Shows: 3h41m54s
